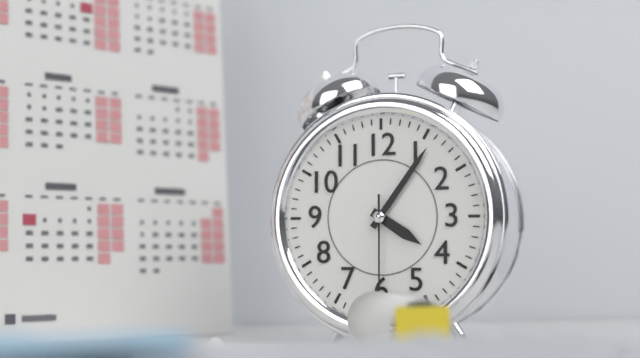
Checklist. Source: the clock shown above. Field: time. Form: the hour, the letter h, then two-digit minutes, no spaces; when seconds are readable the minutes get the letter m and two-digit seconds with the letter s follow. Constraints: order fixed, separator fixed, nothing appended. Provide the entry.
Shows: 4h06m30s
